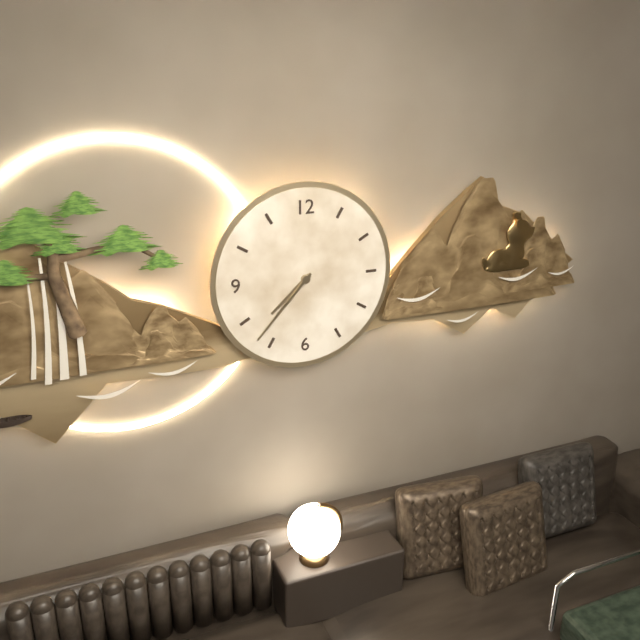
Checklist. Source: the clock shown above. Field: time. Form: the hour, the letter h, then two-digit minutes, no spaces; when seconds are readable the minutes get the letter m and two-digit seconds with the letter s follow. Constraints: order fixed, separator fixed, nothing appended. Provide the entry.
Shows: 7h37
